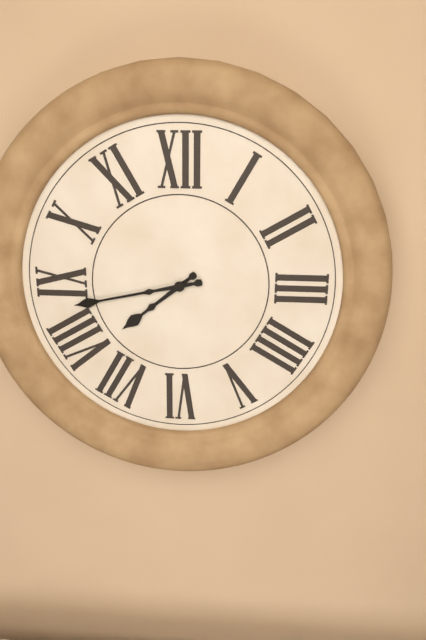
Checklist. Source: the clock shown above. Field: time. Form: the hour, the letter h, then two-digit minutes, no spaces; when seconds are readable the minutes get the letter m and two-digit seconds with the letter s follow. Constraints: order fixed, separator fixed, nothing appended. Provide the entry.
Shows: 7h43
